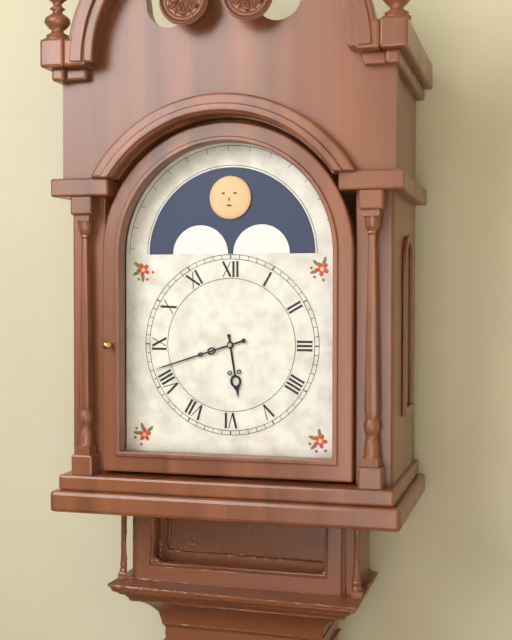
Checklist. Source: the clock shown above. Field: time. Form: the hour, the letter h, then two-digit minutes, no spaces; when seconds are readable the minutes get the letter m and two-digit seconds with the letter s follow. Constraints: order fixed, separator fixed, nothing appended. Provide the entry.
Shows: 5h42
